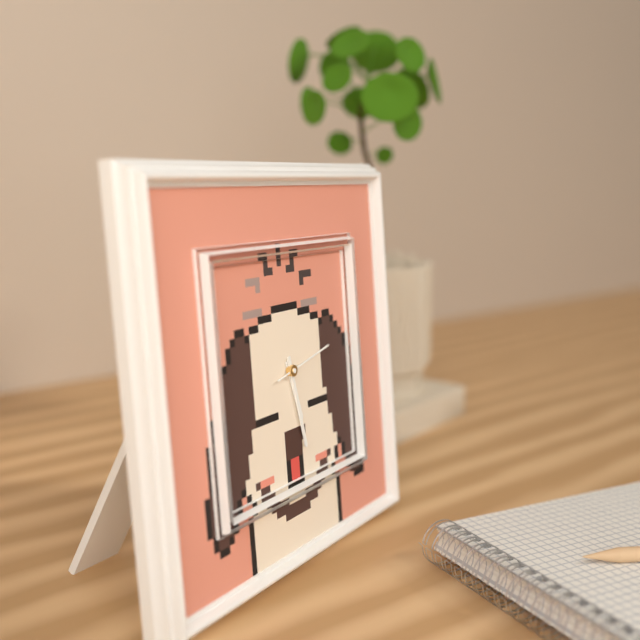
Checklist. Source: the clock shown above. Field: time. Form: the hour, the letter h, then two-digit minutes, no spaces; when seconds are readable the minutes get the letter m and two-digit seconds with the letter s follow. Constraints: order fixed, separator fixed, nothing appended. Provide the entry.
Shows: 5h28m13s
